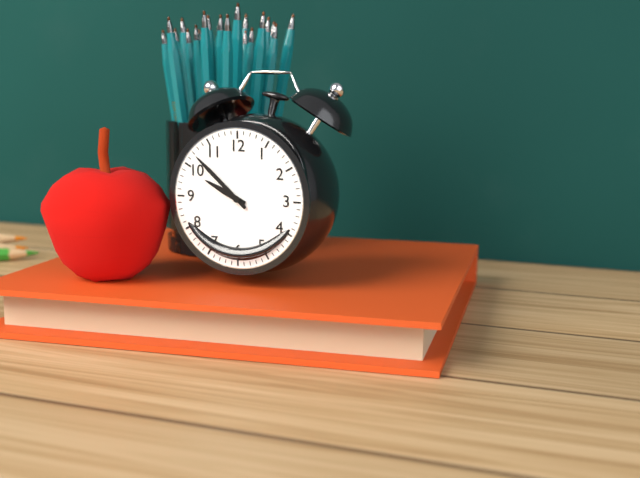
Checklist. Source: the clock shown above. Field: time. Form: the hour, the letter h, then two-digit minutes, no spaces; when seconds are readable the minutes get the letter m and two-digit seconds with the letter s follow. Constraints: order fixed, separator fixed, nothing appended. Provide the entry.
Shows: 9h52
